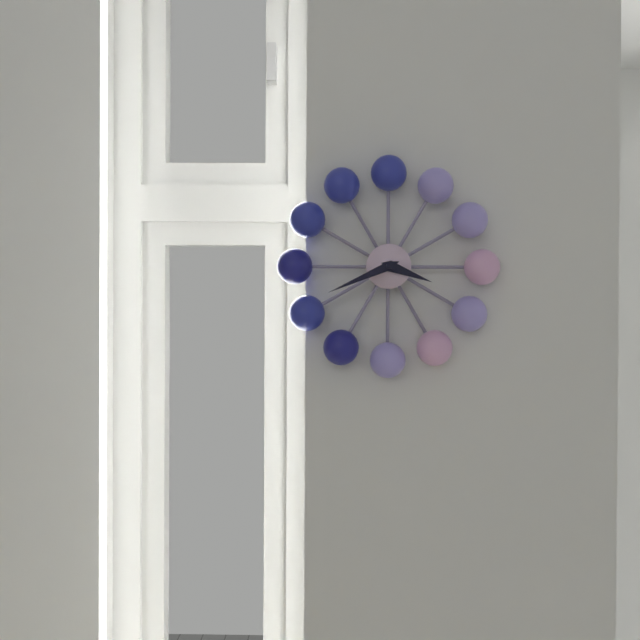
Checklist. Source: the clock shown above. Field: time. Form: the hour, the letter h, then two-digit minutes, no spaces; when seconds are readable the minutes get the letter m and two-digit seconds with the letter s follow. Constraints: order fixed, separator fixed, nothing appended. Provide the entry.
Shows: 3h41
